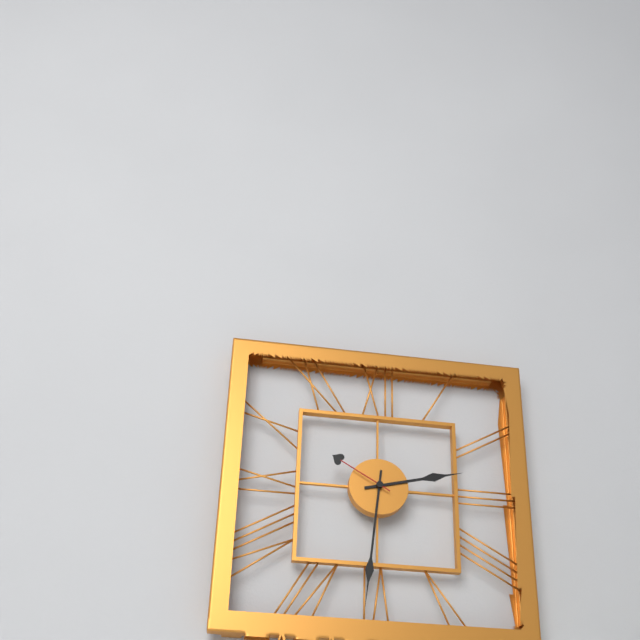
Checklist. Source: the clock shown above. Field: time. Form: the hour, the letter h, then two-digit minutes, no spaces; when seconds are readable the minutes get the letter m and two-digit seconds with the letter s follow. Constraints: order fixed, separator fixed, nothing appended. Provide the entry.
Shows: 2h31m50s
